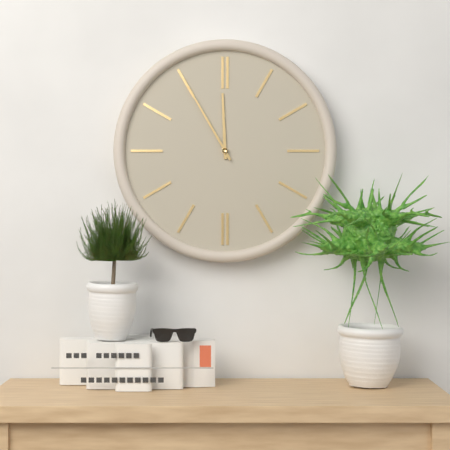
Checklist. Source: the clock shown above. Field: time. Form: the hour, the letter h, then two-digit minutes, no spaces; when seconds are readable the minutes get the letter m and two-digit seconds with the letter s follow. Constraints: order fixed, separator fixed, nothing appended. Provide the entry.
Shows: 11h55
